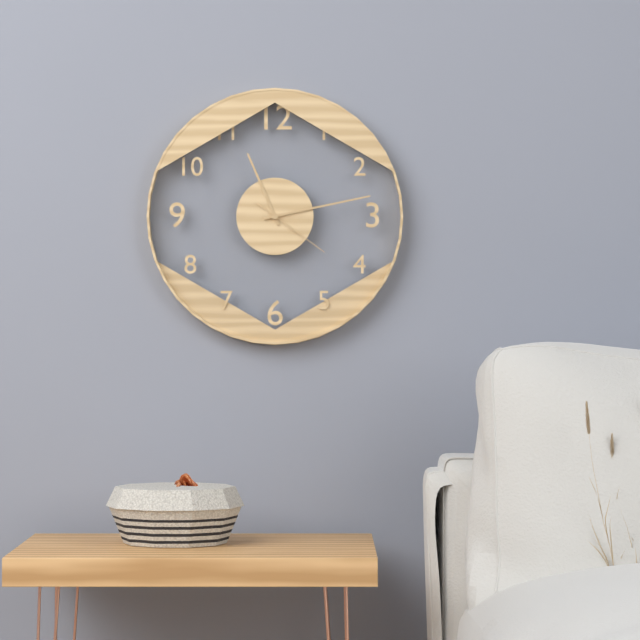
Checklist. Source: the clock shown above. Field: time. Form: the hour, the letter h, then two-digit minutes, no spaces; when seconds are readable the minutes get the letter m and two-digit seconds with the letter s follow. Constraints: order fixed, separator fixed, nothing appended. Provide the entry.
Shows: 11h13m21s
